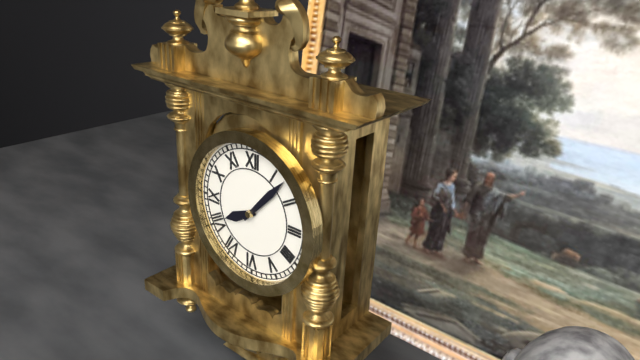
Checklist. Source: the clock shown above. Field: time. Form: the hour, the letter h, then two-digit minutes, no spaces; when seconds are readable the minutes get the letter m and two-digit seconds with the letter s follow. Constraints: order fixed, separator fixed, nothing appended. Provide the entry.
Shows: 8h07
